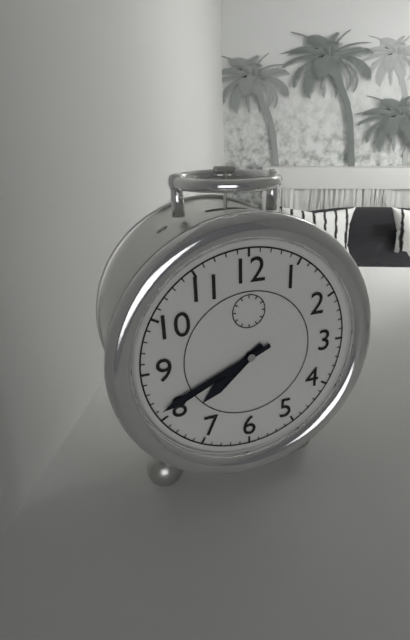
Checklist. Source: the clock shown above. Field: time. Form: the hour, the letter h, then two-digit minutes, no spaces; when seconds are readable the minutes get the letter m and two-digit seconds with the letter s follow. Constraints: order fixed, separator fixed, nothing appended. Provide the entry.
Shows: 7h41
